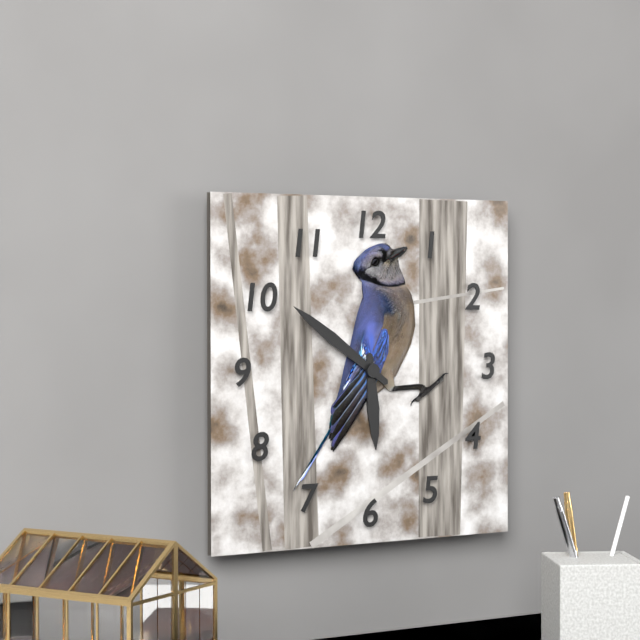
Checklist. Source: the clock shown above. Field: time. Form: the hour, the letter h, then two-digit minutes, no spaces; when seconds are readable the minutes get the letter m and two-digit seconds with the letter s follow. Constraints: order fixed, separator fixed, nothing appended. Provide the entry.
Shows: 5h51
